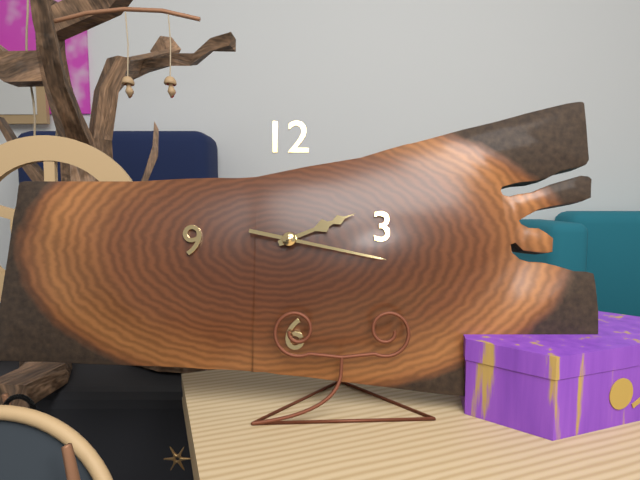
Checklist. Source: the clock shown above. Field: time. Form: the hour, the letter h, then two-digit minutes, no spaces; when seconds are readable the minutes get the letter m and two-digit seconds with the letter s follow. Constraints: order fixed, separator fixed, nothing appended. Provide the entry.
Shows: 2h17
